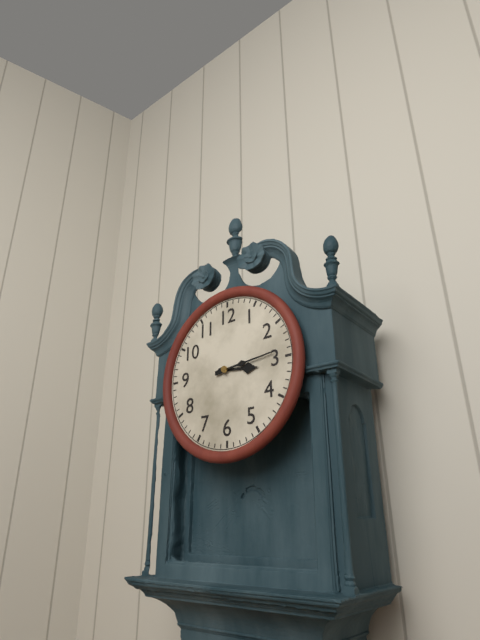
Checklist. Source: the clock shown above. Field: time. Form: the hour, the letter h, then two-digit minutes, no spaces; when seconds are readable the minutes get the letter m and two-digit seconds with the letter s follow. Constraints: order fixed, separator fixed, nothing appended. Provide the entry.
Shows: 3h14
